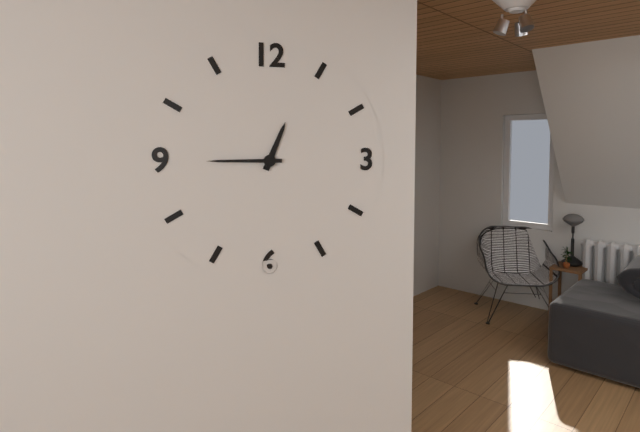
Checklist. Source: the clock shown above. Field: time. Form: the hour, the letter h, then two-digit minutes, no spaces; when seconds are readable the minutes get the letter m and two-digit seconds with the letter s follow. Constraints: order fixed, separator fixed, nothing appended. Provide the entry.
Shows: 12h45
